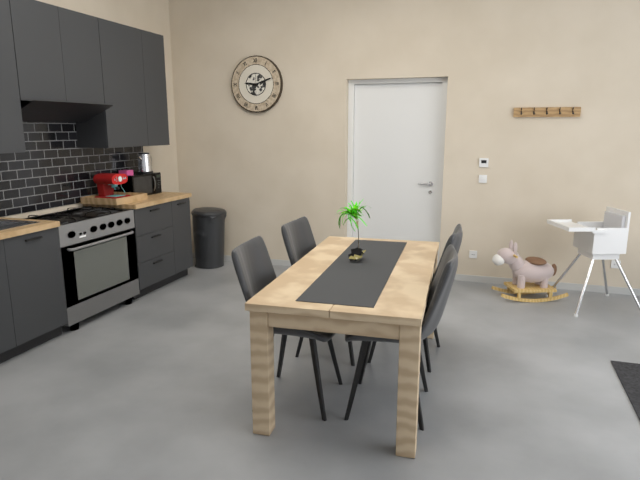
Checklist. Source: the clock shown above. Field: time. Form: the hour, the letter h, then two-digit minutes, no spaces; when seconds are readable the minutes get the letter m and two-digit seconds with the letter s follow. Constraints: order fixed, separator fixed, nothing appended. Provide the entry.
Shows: 9h12
